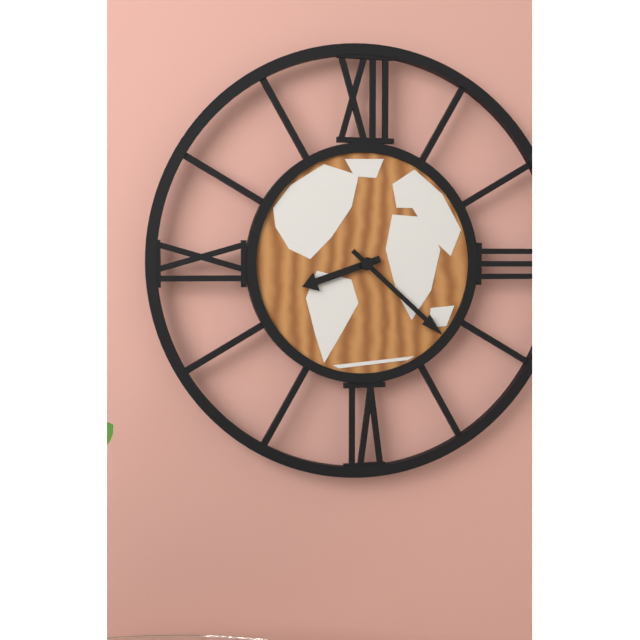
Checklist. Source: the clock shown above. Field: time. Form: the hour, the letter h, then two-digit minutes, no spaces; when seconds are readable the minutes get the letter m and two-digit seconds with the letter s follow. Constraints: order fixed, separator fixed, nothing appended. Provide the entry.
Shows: 8h22
